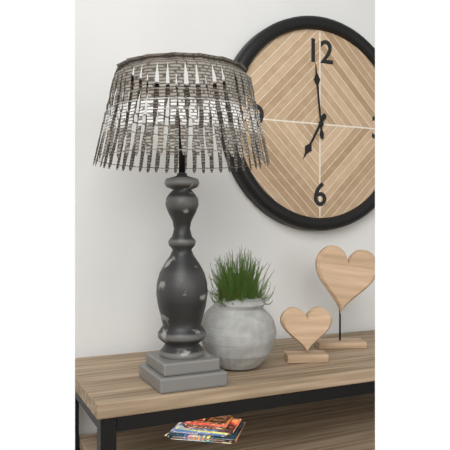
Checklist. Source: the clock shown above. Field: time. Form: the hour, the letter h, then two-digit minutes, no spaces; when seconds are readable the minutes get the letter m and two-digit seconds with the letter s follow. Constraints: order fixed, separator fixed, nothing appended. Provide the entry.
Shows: 6h59
